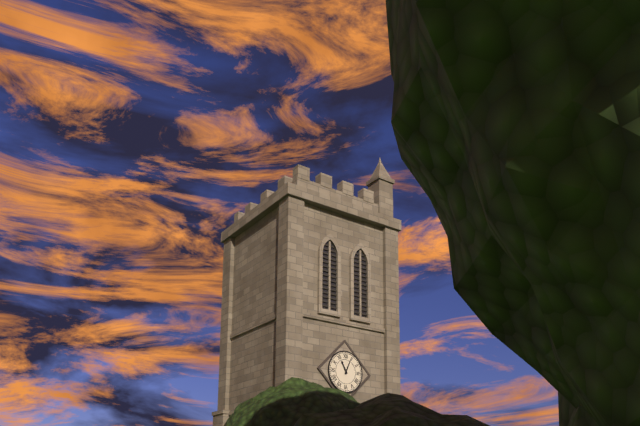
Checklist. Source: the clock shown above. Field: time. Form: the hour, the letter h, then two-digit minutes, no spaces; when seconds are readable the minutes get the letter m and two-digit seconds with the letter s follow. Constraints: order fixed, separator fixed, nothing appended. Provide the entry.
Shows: 11h04
